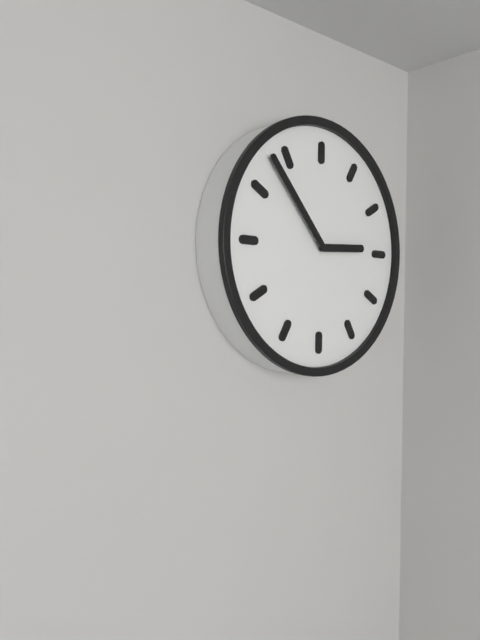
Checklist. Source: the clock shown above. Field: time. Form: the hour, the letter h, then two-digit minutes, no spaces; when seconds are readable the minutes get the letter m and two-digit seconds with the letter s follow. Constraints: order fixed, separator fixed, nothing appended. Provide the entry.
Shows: 2h53
